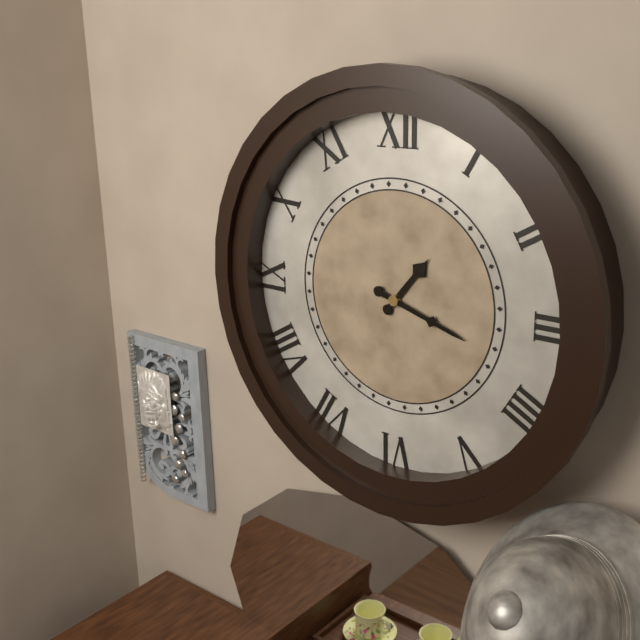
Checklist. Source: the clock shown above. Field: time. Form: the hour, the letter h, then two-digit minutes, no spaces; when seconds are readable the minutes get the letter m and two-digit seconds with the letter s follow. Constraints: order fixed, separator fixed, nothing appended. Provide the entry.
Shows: 1h18
